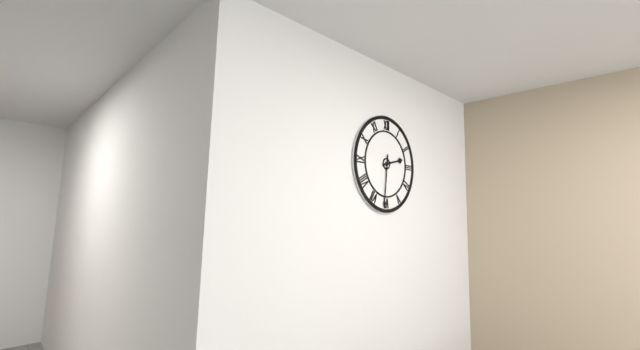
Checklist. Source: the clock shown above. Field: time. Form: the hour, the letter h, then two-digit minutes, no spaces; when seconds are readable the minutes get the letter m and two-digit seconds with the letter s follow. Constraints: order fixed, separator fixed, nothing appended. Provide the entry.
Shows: 2h31
